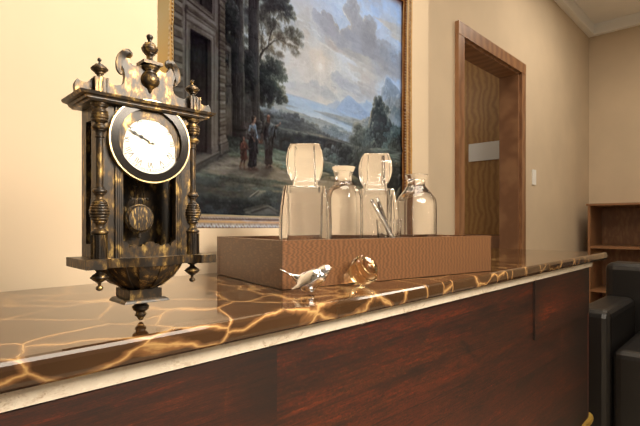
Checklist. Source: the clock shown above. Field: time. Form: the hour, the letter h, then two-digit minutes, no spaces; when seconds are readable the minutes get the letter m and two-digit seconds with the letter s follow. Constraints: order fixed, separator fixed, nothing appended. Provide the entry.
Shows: 9h49
